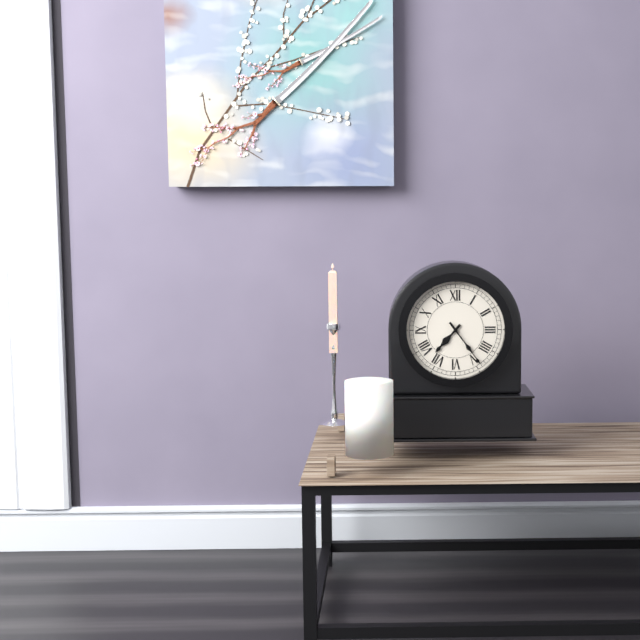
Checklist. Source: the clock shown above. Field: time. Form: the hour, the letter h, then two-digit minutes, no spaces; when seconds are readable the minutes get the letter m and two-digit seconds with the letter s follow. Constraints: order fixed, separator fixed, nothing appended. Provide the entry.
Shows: 7h24
